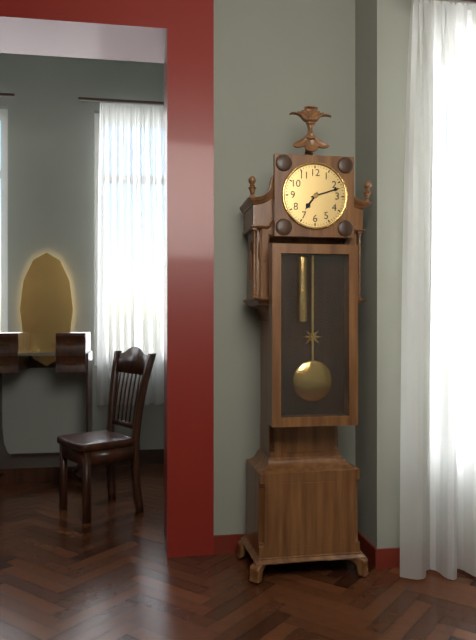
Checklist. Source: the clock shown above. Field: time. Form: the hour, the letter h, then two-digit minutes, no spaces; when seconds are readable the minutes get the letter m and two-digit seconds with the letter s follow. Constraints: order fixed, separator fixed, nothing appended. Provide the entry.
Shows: 7h12
